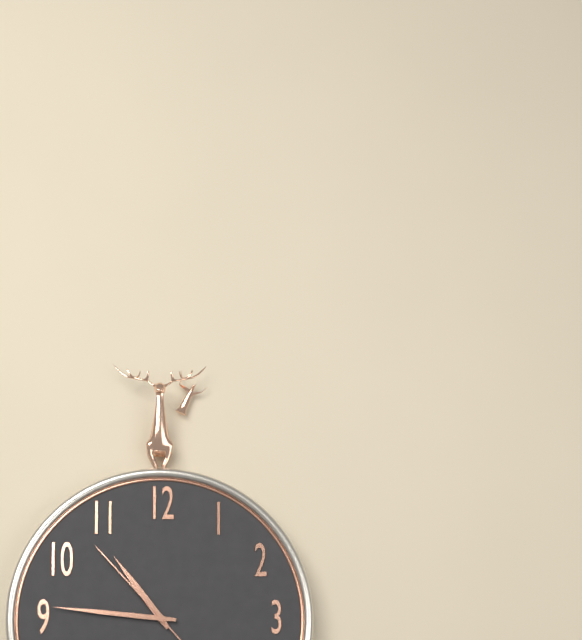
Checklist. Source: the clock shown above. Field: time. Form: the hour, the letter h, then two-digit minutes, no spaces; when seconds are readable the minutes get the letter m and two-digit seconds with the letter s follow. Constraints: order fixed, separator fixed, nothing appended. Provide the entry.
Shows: 10h46m53s
